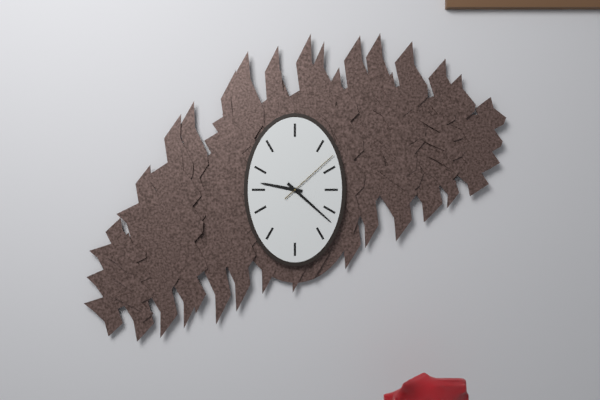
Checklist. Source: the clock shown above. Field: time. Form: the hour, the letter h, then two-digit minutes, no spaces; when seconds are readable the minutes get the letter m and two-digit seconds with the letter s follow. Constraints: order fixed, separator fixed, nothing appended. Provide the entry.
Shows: 9h22m08s
